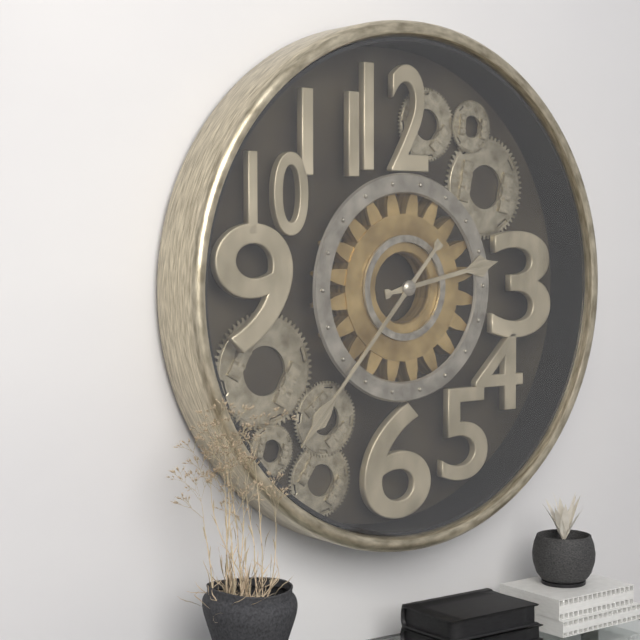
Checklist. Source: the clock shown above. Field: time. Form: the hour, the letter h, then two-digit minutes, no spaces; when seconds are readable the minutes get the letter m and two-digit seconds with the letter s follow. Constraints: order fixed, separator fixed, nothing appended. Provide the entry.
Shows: 2h37
